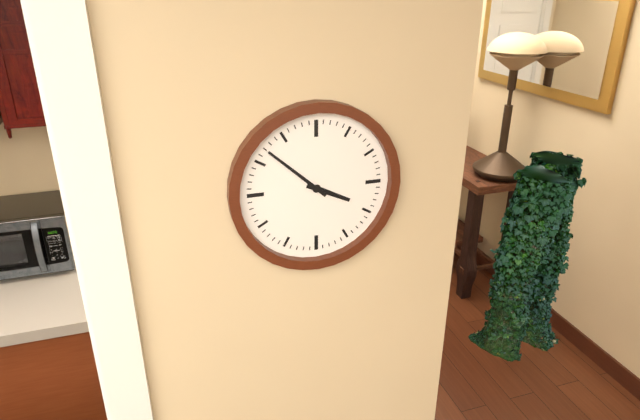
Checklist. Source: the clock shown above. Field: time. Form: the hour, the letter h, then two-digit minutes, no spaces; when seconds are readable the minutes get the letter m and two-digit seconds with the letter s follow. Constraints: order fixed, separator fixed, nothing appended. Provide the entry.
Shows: 3h52
